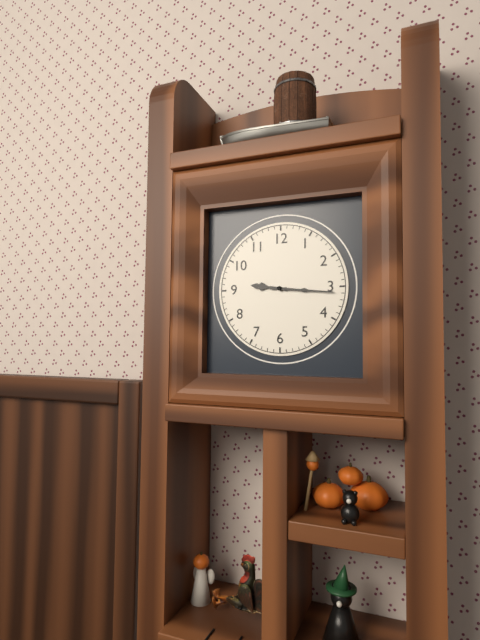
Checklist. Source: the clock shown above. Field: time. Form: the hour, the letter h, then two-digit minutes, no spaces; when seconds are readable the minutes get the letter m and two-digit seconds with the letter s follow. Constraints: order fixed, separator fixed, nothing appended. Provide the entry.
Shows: 9h16
